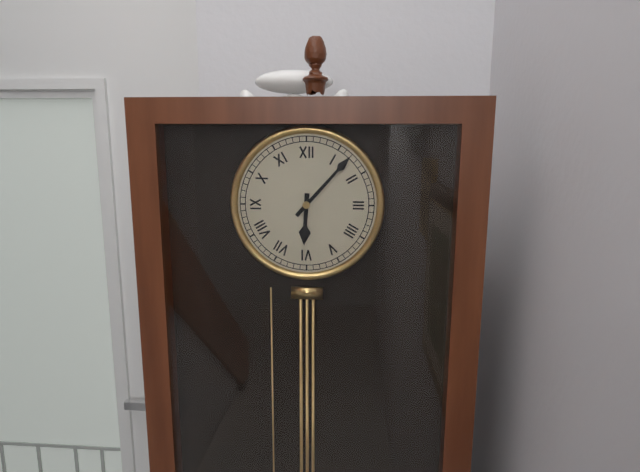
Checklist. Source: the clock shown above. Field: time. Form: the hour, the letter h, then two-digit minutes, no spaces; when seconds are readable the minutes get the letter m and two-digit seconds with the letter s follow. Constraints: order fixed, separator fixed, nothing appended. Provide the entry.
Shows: 6h07
